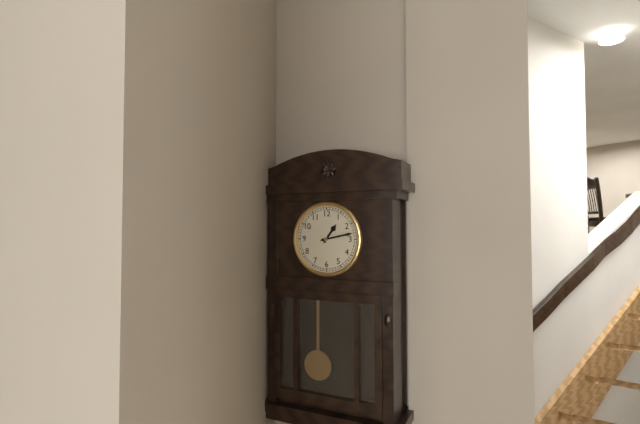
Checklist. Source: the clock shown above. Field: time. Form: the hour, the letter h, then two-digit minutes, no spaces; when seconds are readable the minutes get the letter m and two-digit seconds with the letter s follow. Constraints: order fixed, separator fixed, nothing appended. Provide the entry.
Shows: 1h13
